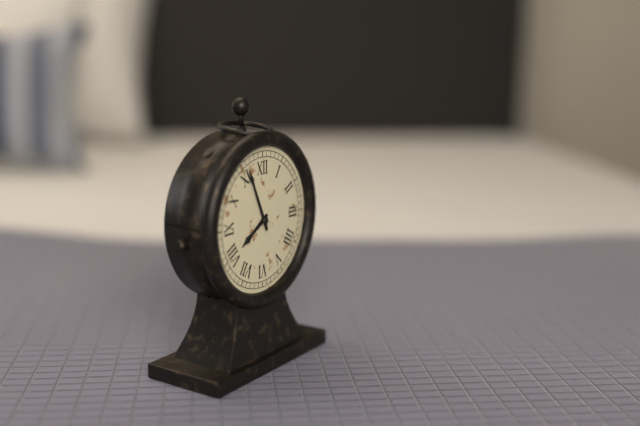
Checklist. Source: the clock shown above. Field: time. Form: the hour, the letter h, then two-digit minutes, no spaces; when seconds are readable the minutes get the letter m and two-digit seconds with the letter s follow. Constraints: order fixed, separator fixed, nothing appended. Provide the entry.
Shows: 7h56
